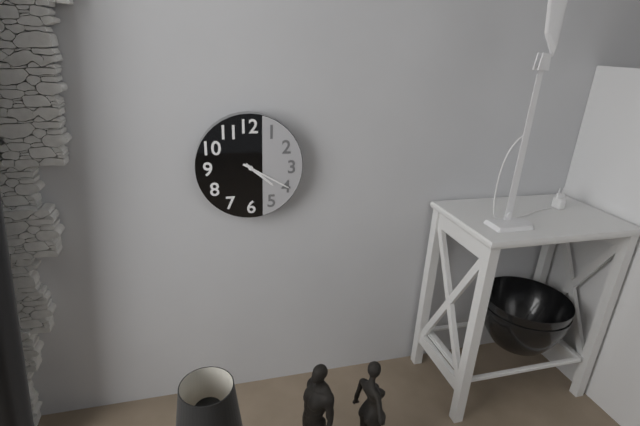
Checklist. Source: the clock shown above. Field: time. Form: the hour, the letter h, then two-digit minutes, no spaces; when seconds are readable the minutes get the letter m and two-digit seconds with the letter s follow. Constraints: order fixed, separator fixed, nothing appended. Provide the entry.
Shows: 4h20
